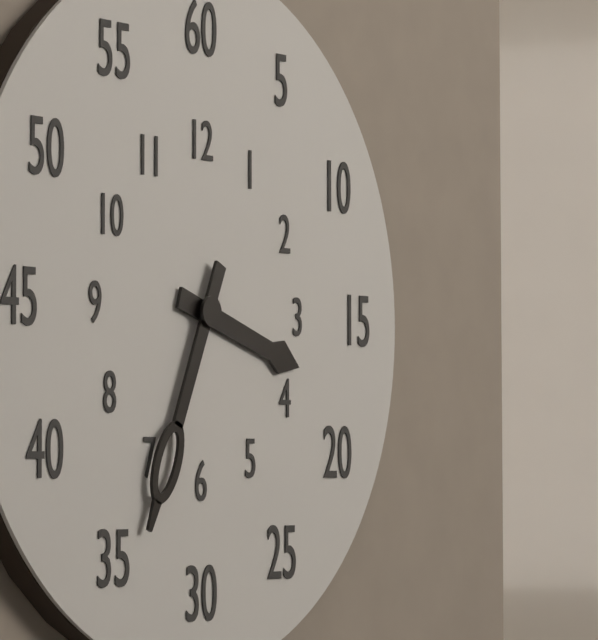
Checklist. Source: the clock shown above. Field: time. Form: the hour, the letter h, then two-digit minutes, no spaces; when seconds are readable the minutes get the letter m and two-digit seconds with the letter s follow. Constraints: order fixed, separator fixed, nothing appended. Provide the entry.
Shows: 3h34
